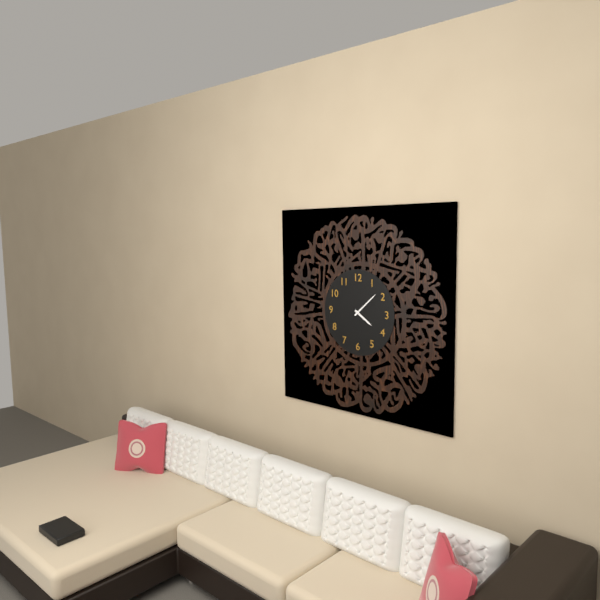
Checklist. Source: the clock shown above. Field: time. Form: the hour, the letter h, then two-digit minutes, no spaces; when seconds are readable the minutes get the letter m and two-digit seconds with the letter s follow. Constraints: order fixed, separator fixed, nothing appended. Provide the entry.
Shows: 4h08
